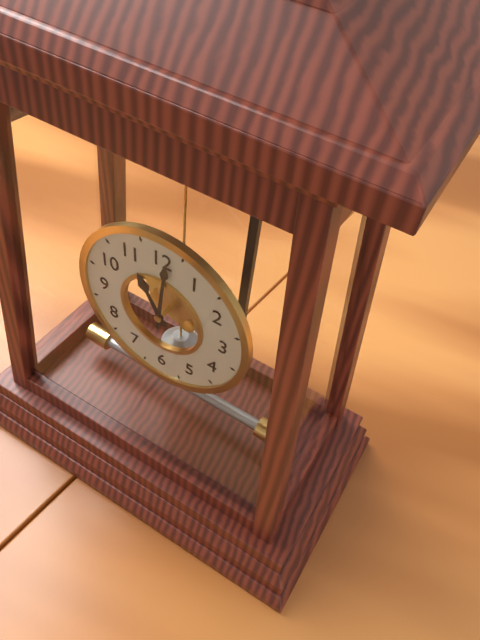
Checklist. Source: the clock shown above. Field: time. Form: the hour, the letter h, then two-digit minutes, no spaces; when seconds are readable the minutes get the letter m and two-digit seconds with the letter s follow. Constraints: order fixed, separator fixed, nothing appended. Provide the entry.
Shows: 11h01
